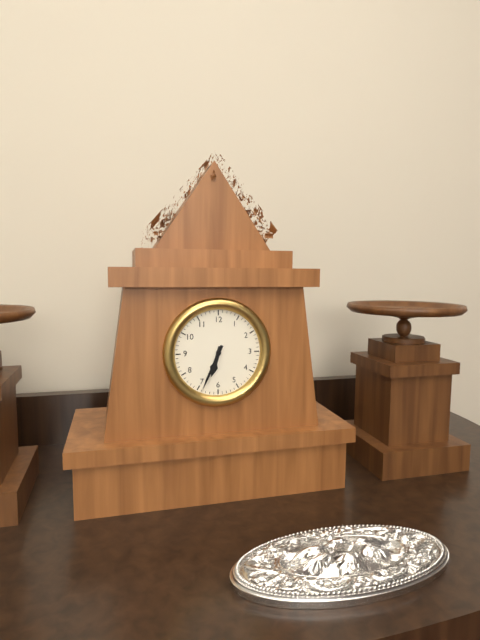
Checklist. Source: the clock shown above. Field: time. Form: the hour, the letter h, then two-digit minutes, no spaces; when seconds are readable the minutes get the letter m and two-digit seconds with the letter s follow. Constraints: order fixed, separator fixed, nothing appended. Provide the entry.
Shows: 6h34
